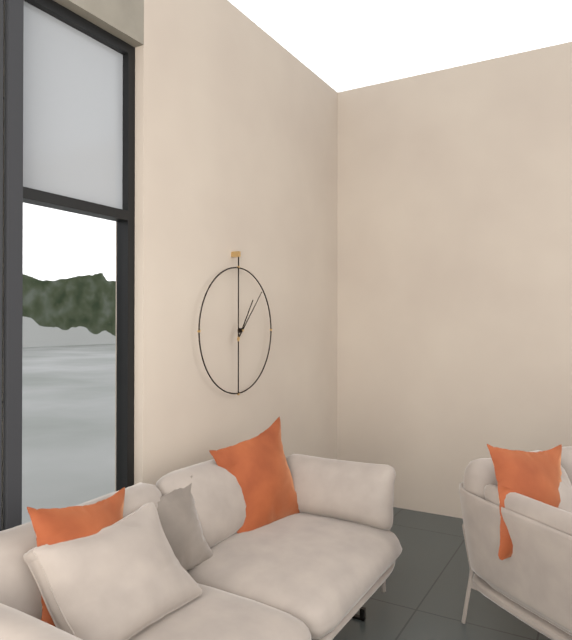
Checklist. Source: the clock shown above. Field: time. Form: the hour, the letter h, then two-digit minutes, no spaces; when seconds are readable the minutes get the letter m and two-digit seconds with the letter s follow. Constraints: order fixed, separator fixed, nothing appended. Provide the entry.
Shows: 1h07
